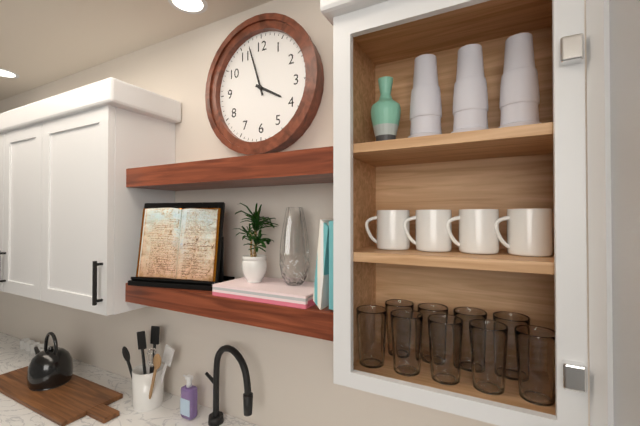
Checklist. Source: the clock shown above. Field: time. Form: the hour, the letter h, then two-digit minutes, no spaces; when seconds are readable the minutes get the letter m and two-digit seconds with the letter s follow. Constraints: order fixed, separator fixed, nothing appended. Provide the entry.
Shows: 3h57
